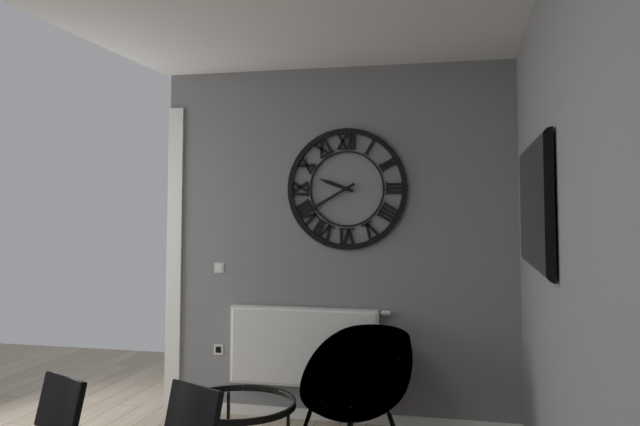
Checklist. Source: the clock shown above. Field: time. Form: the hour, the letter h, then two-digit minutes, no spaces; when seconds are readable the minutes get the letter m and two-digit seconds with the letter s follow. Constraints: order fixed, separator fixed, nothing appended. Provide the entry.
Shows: 9h40
